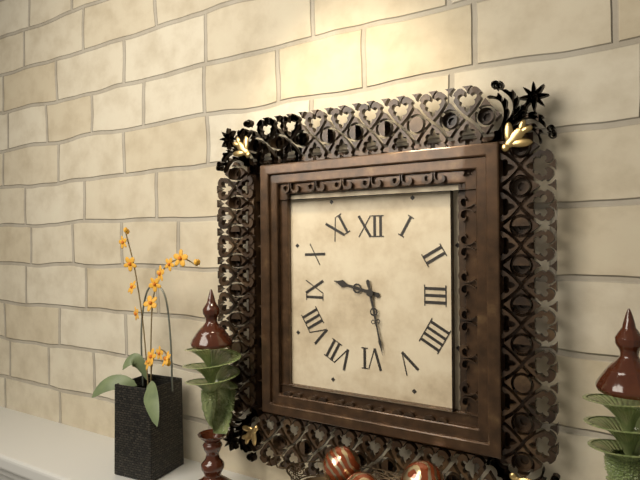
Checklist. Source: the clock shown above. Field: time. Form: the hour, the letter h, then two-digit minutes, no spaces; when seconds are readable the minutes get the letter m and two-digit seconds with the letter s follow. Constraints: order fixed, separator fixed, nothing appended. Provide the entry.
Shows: 9h28
